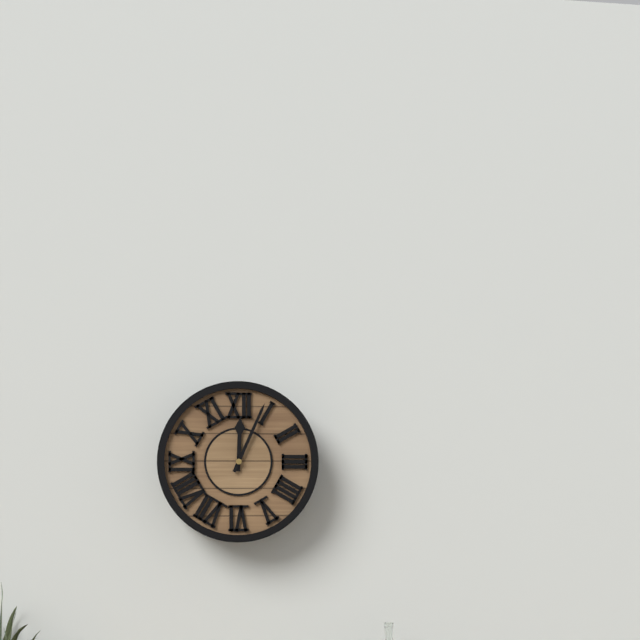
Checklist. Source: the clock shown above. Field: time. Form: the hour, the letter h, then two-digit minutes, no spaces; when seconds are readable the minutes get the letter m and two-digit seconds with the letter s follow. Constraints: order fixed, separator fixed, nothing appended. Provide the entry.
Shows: 12h04
